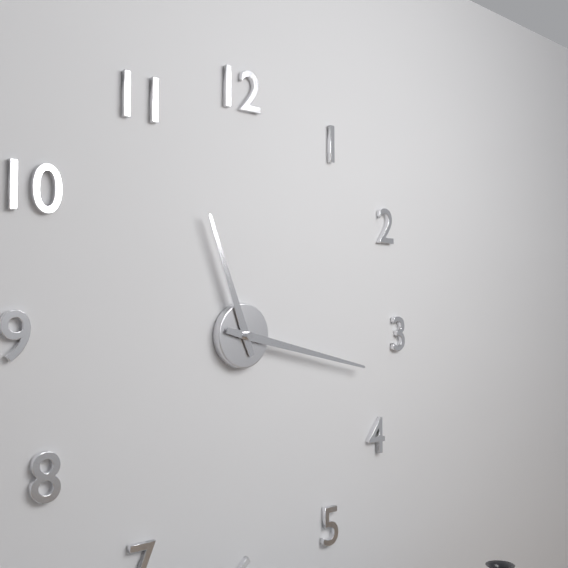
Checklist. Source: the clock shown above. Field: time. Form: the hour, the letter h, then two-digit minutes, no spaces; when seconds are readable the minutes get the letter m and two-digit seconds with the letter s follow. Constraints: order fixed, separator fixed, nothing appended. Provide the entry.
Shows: 11h17
